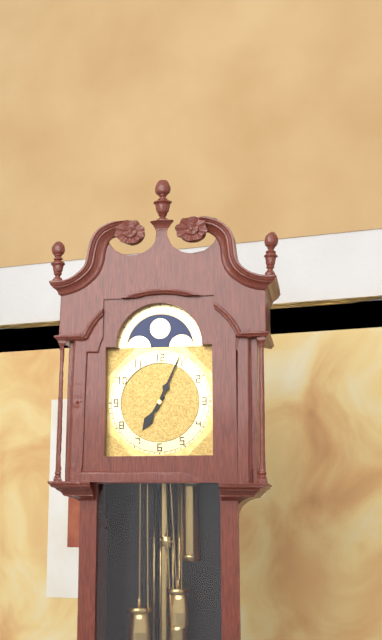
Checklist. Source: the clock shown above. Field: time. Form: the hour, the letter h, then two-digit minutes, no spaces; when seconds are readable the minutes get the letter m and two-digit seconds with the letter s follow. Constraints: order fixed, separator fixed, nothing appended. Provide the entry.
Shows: 7h04
